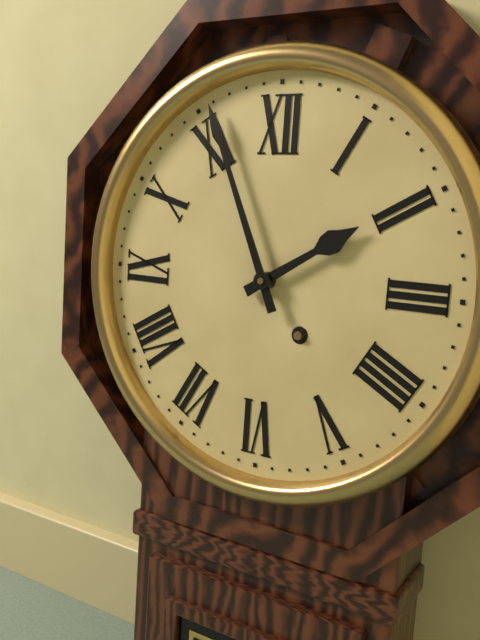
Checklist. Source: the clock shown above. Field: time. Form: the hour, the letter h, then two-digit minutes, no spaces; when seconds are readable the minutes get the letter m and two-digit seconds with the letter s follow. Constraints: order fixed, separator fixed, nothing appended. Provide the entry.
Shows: 1h56
